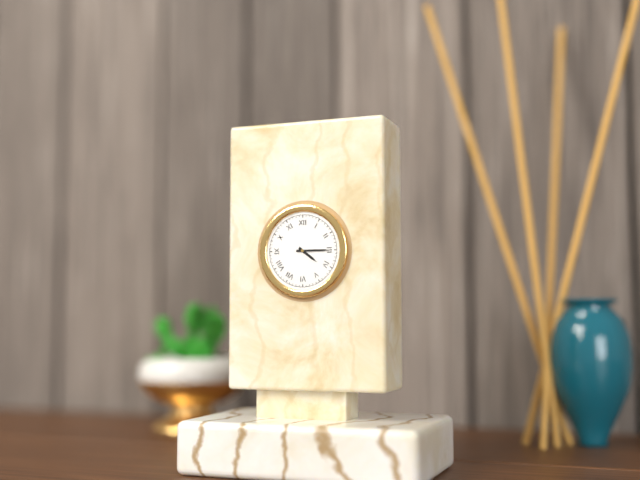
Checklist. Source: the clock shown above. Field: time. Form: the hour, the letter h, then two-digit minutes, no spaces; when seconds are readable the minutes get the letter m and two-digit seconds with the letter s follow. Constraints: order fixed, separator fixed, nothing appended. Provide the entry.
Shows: 4h15
